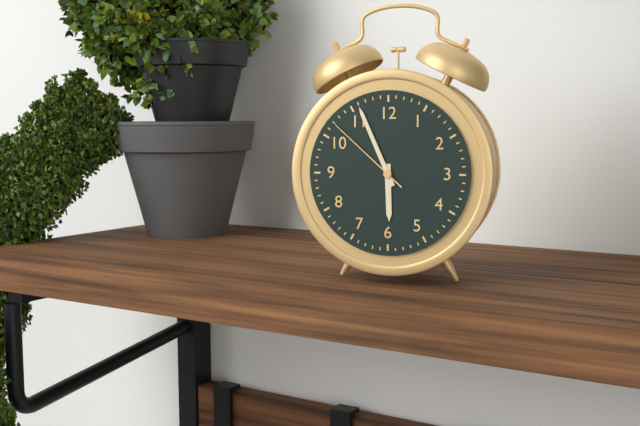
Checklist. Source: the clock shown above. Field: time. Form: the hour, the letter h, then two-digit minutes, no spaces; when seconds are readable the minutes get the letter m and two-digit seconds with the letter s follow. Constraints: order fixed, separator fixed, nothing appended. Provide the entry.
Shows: 5h56m52s
